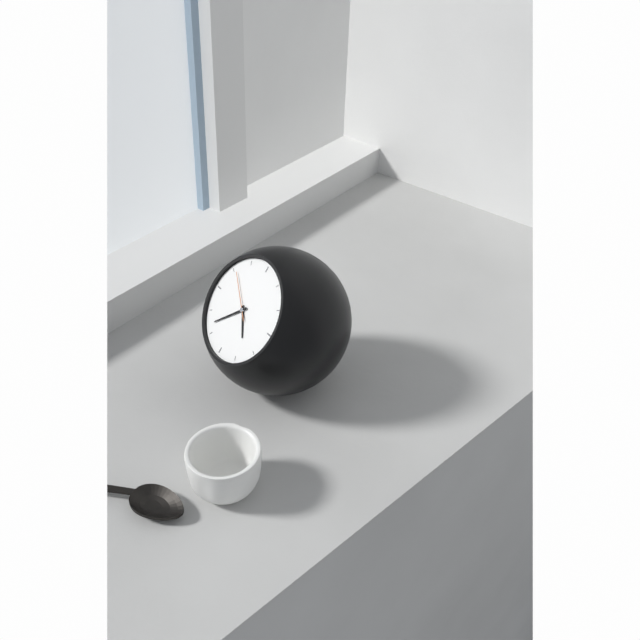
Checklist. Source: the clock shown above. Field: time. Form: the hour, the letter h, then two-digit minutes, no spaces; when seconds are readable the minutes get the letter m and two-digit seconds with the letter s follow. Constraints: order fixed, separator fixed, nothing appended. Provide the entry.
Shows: 4h37m51s
